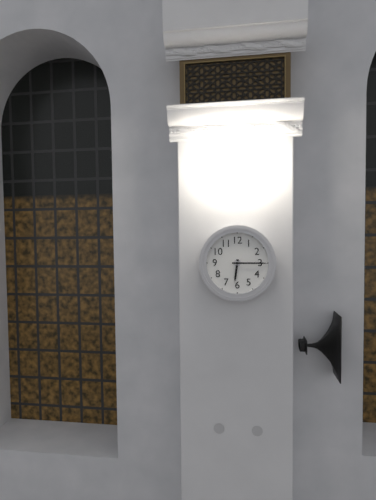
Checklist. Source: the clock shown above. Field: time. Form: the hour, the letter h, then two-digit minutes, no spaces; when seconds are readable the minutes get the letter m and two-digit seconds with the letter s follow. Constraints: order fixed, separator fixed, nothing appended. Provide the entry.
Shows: 6h15
